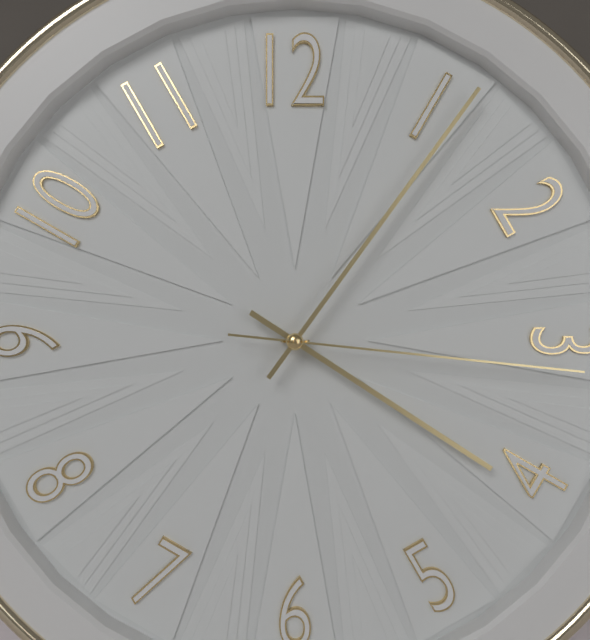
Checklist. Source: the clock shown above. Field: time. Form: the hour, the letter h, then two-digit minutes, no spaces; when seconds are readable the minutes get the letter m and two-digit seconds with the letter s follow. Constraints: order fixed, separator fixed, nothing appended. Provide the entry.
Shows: 4h06m16s
